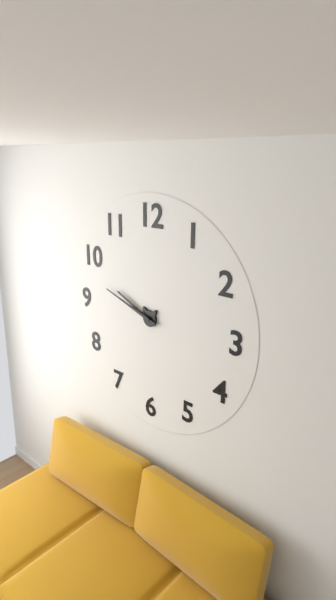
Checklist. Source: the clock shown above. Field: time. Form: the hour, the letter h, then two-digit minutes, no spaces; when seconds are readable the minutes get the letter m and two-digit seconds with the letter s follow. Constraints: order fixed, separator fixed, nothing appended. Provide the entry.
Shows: 9h48
